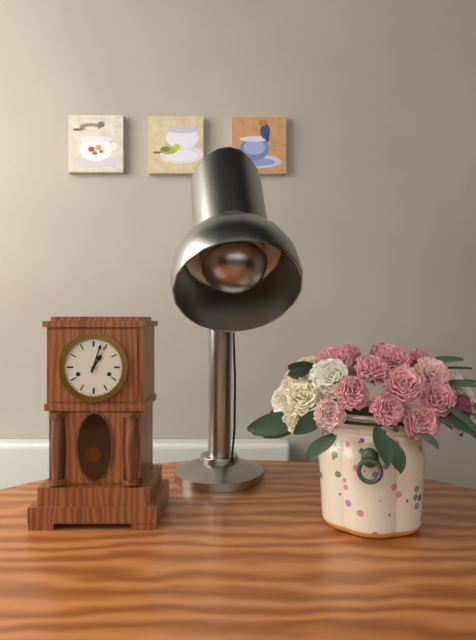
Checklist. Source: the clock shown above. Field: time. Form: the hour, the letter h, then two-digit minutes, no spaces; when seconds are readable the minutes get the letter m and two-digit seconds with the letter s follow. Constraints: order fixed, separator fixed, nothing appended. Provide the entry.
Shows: 1h03
